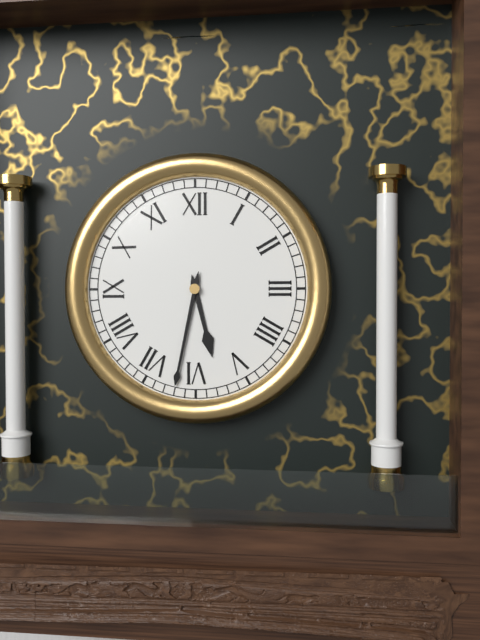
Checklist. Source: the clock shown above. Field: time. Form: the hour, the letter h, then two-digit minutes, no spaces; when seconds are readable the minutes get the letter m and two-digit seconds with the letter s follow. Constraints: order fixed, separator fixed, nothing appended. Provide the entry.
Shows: 5h32
